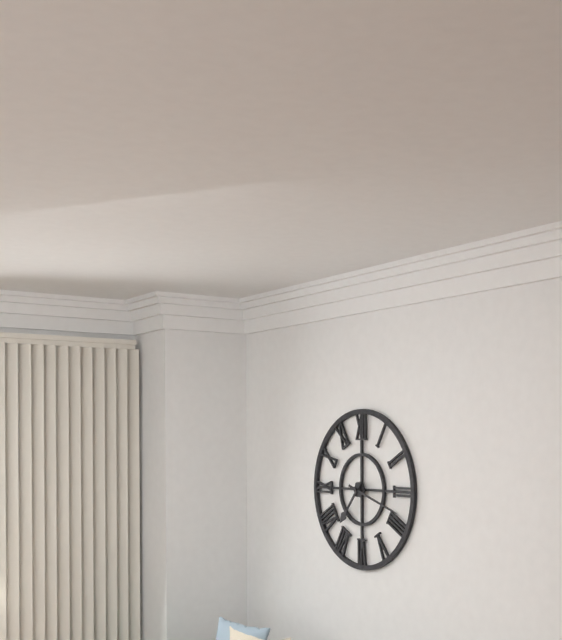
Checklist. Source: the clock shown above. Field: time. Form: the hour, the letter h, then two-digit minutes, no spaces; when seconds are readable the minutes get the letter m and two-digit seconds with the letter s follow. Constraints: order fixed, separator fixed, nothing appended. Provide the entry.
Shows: 7h18
